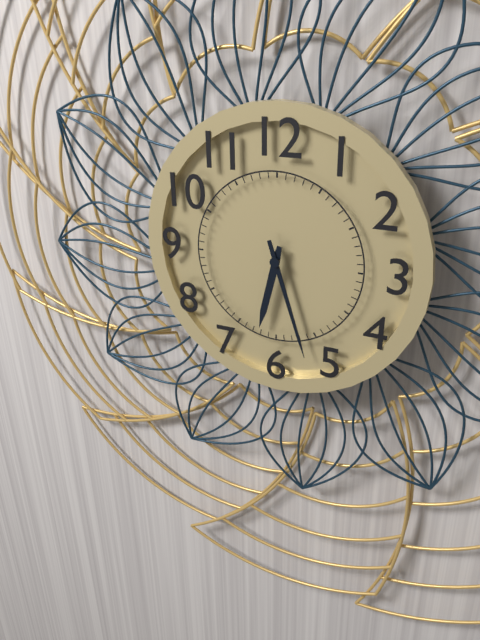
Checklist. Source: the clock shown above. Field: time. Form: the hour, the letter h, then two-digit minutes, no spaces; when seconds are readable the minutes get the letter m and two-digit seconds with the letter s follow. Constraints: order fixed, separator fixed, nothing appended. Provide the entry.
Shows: 6h27
